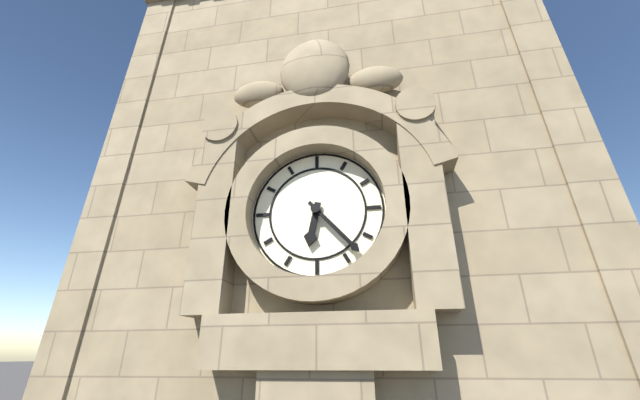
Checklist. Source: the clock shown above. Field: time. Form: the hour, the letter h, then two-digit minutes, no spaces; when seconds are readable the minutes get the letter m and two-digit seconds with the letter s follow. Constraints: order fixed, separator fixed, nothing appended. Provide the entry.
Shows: 6h23
